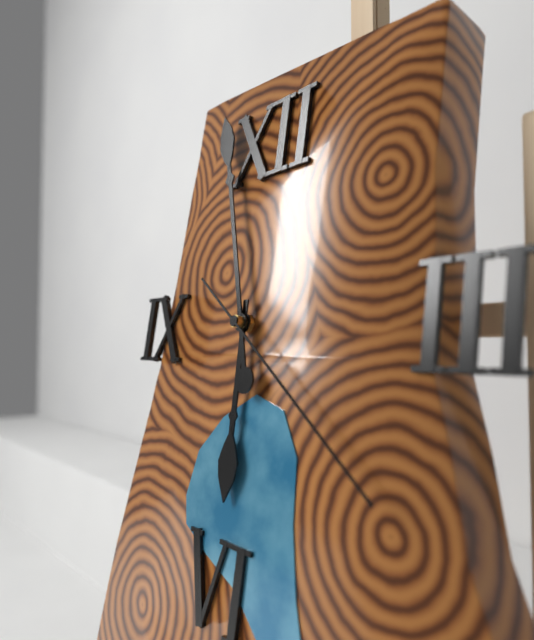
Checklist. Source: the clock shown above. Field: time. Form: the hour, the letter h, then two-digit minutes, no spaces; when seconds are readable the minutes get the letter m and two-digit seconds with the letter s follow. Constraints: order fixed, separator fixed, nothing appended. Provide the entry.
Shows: 5h57m21s
